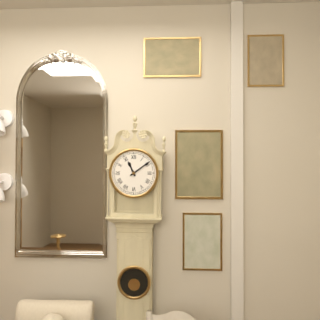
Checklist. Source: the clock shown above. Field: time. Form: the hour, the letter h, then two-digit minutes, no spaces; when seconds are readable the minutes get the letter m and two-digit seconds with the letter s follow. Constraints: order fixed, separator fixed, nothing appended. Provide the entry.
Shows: 11h09
